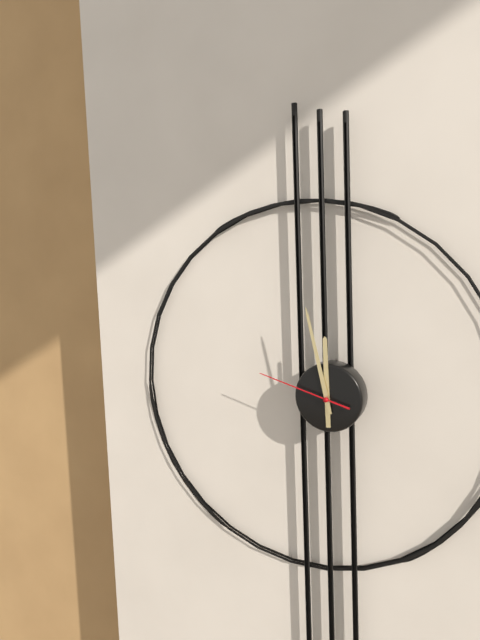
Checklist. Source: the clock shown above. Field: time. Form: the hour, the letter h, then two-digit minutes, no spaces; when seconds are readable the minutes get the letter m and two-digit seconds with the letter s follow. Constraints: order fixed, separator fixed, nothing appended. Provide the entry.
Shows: 11h58m48s
